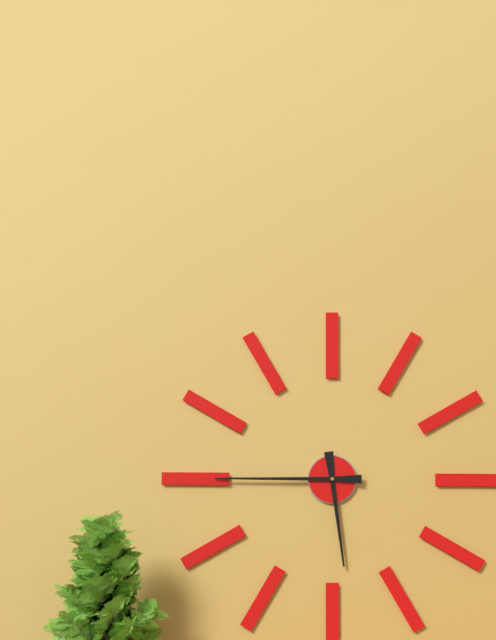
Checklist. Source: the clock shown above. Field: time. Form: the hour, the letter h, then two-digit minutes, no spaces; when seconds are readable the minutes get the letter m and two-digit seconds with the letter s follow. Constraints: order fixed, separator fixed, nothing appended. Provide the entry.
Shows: 5h45
